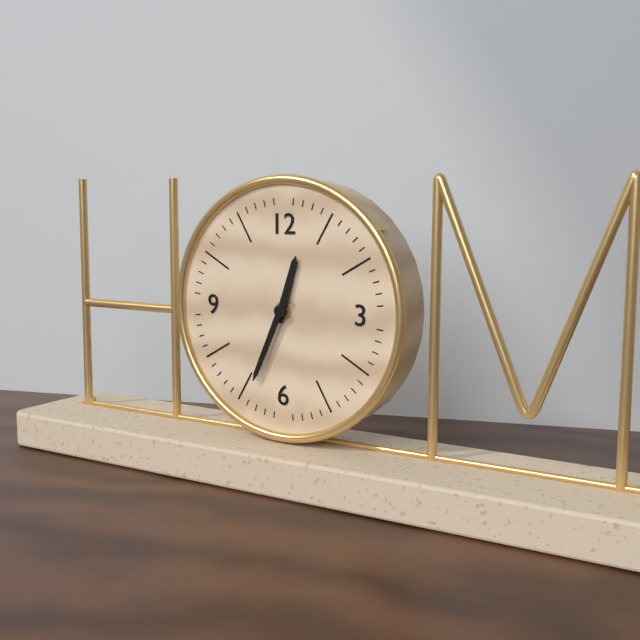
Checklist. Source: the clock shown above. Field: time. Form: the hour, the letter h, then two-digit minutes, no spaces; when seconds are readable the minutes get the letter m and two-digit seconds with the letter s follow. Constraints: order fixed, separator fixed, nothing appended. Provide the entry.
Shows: 12h34
